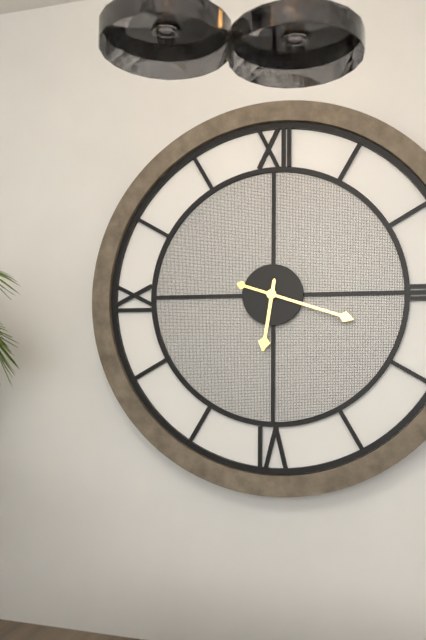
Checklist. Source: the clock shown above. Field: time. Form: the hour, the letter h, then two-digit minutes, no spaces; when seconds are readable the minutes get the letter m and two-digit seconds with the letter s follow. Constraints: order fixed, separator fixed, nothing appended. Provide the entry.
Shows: 6h18
